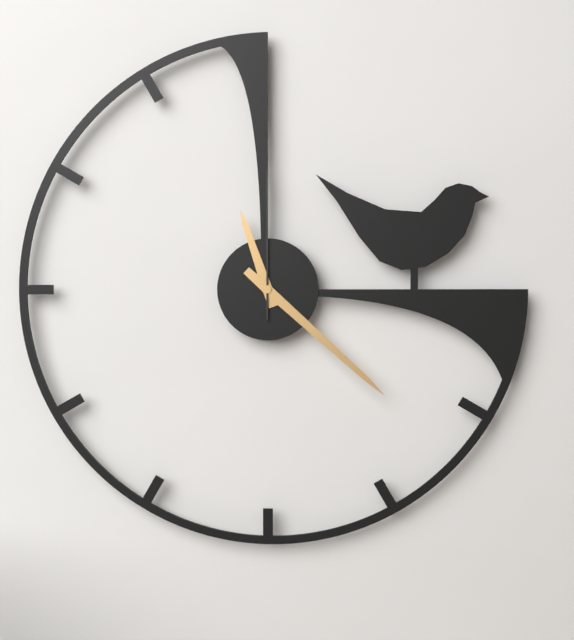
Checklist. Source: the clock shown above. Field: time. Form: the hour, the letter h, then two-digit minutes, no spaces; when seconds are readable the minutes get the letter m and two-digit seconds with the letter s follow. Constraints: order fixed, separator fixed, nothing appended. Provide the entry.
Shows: 11h22m00s
